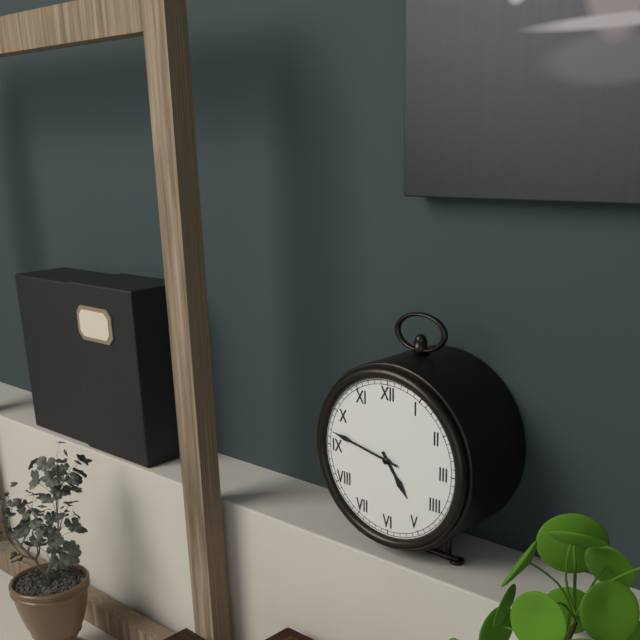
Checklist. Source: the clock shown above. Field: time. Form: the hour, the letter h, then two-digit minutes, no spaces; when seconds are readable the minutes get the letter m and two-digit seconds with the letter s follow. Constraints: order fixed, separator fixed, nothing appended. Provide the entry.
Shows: 4h47
